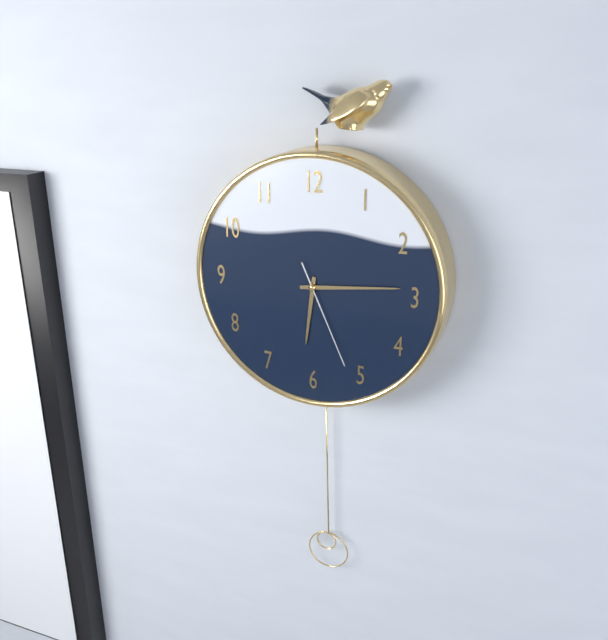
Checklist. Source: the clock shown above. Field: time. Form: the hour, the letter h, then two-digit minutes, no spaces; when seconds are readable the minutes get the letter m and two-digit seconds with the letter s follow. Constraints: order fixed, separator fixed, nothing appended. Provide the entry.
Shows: 6h14m26s
